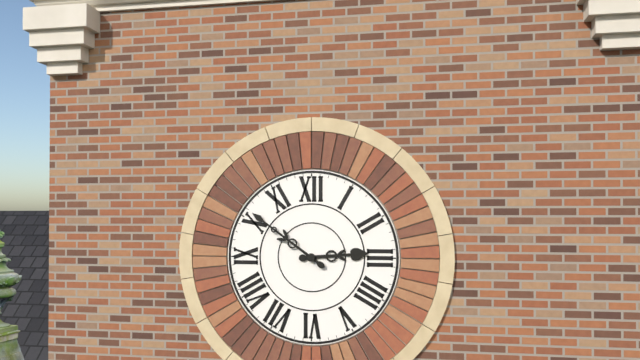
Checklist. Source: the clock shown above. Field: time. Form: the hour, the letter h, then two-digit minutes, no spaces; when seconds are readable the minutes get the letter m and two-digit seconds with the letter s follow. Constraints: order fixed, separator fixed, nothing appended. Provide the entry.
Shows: 2h51
